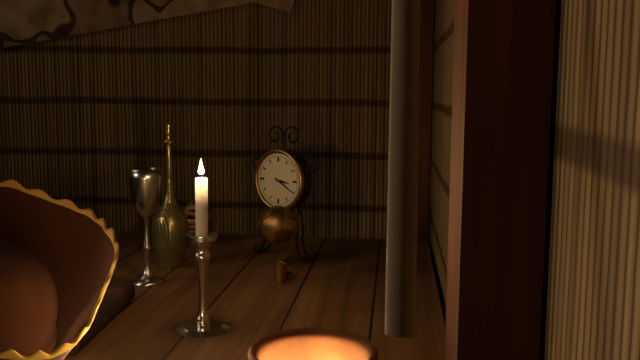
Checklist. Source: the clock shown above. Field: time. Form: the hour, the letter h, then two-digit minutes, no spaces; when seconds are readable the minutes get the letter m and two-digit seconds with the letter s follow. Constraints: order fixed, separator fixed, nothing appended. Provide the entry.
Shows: 3h20
